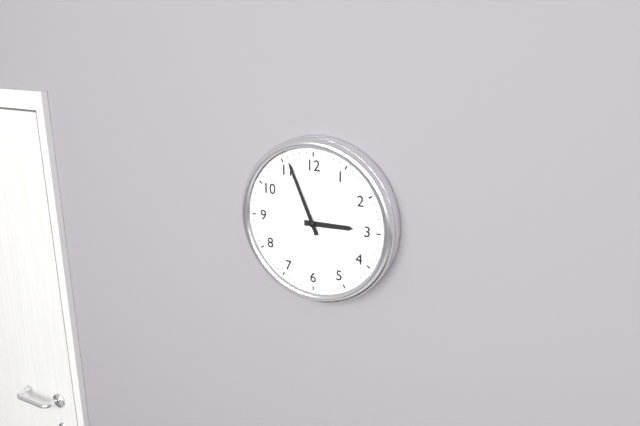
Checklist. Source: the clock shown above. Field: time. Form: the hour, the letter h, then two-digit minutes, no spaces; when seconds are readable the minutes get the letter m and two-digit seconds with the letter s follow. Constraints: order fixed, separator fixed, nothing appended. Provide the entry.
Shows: 2h56
